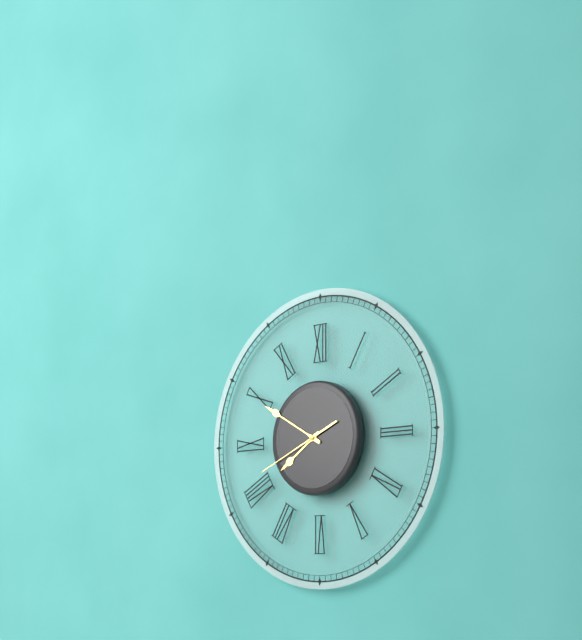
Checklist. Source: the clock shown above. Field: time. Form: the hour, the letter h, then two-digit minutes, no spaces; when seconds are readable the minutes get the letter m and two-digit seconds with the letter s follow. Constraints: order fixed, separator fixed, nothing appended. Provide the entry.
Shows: 7h50m41s
